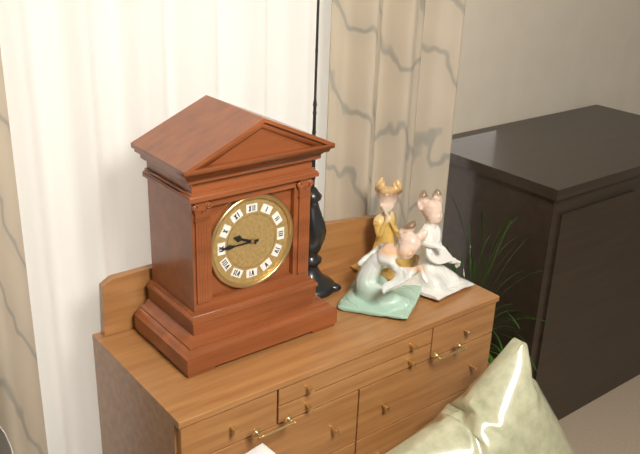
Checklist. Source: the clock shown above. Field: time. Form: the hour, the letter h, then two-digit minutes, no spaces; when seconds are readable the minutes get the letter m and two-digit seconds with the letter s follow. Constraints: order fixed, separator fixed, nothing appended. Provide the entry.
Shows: 9h45
